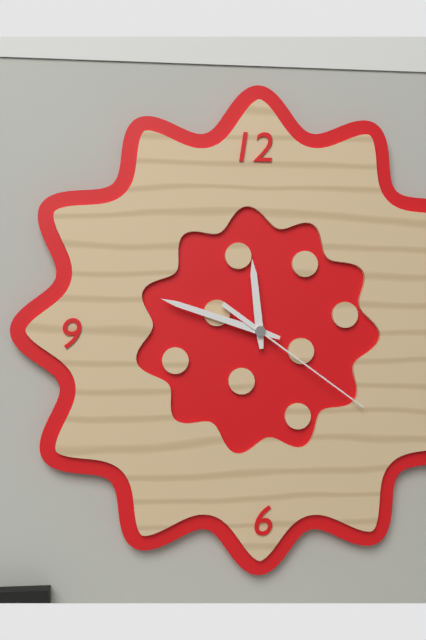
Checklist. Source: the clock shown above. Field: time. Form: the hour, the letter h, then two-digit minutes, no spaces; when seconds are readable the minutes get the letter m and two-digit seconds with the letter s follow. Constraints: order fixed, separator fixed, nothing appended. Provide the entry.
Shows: 11h48m21s
